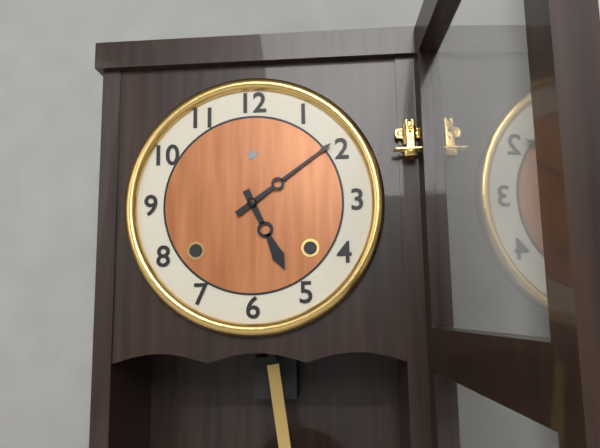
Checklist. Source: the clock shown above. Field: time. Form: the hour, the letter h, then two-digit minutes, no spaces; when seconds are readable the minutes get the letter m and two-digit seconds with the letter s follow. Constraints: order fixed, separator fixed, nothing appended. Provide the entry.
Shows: 5h09
